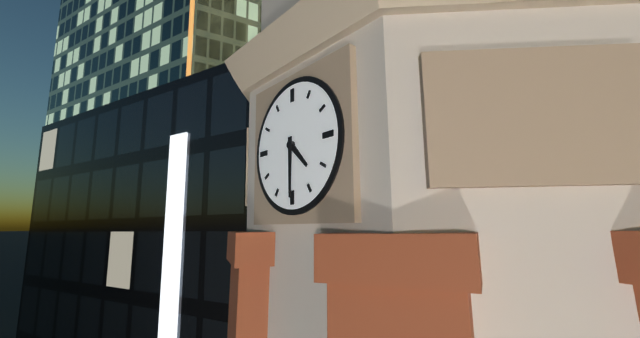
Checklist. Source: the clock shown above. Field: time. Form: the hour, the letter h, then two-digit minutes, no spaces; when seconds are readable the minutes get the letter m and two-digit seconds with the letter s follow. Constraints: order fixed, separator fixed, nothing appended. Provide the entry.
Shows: 4h30
